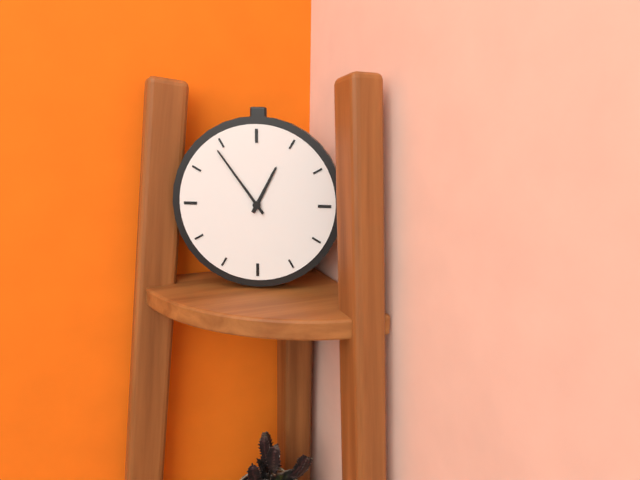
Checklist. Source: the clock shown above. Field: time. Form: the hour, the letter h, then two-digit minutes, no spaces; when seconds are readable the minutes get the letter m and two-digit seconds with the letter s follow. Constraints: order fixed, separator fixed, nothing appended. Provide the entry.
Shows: 12h54
